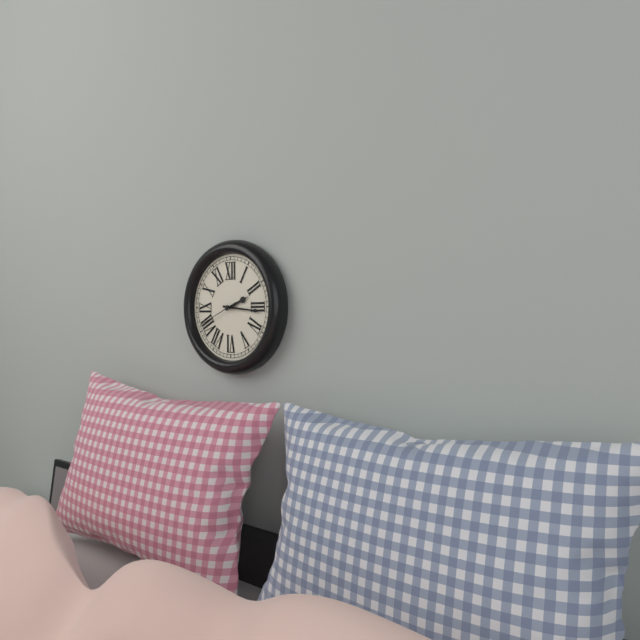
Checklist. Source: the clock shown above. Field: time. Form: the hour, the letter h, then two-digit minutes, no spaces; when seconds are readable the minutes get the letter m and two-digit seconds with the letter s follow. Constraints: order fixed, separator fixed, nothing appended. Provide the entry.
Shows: 2h16m41s
